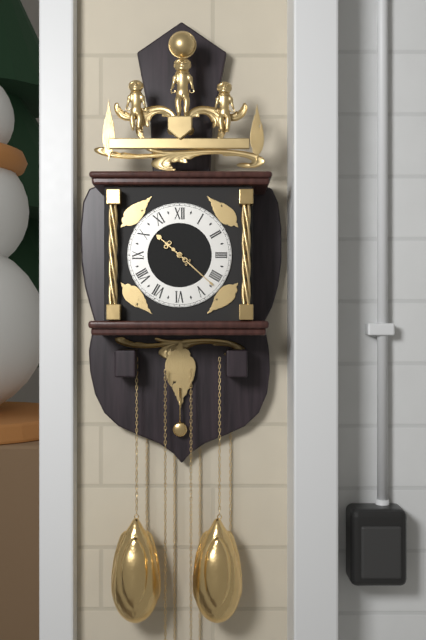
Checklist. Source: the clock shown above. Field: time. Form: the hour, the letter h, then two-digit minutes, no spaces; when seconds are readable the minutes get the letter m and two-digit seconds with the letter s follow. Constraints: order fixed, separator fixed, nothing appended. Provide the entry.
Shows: 10h22
